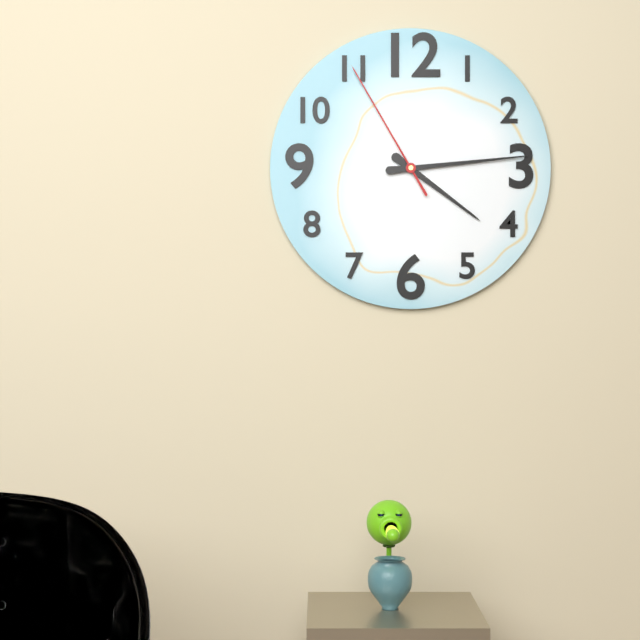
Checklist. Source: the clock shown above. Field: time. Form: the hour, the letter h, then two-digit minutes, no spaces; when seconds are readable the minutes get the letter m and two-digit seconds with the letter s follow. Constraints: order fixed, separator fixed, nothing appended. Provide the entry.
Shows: 4h14m55s
